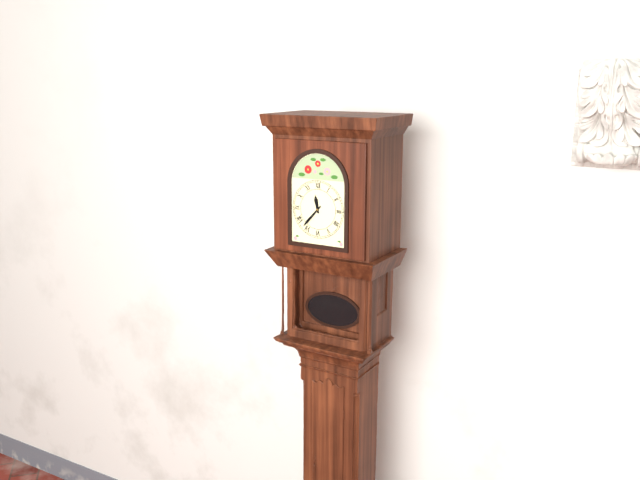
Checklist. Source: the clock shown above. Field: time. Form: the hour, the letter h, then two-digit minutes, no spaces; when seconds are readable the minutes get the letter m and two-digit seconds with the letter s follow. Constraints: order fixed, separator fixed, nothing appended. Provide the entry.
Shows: 11h37
